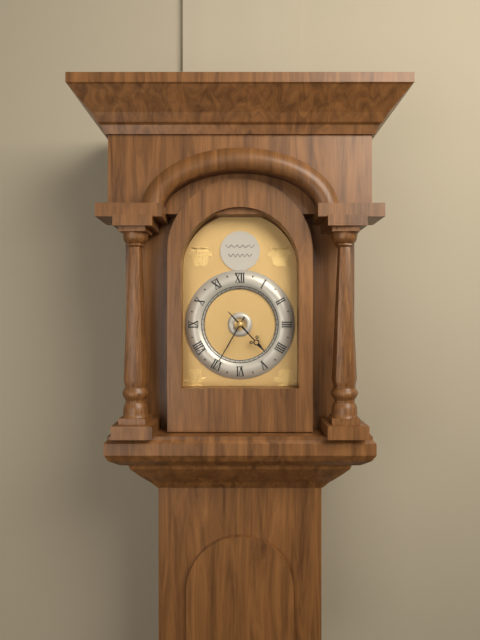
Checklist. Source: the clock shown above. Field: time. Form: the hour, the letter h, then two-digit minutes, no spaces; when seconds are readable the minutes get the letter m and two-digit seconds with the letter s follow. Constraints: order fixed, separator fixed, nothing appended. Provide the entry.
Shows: 4h35
